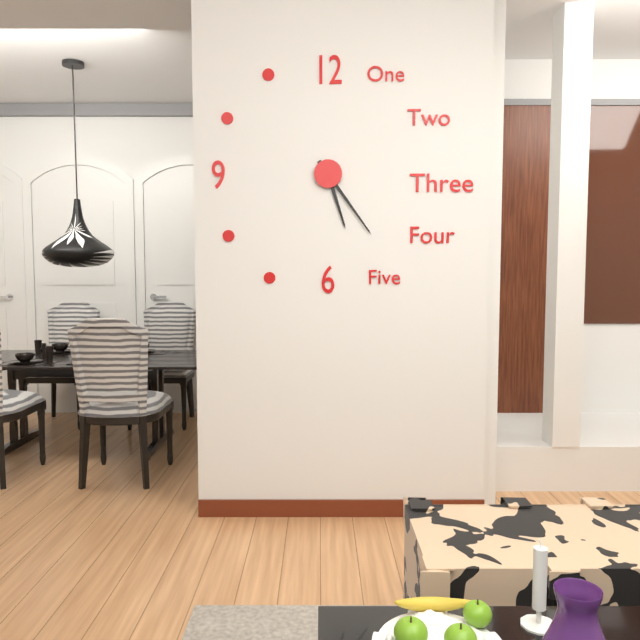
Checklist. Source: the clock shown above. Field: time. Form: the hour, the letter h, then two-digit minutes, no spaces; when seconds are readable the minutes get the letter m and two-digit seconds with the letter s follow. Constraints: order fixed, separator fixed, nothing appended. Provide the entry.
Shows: 5h24
